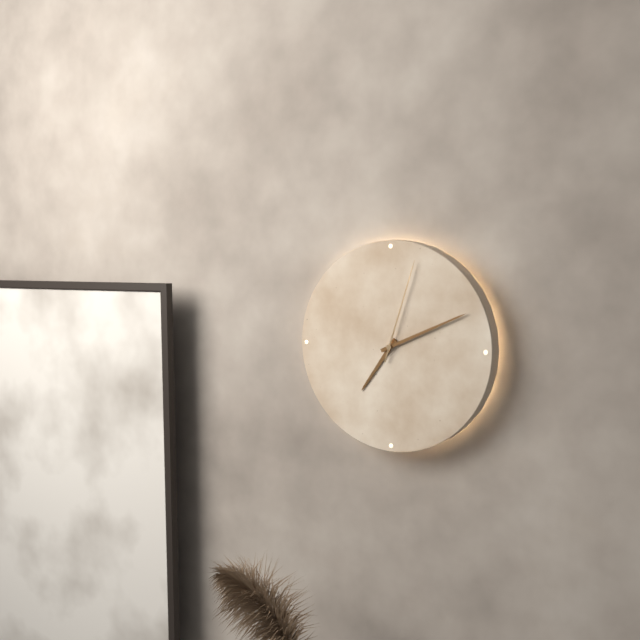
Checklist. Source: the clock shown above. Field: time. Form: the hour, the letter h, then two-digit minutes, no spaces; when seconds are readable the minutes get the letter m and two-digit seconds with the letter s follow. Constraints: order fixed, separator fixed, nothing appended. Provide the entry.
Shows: 7h11m03s
